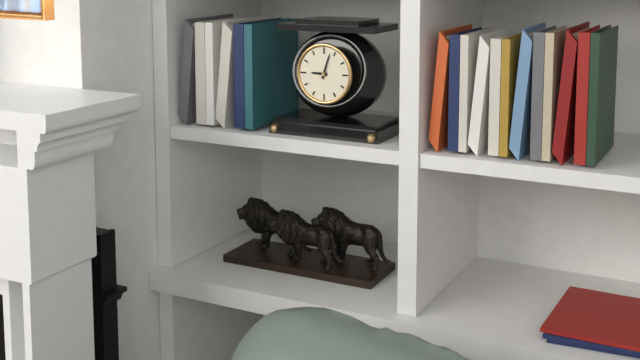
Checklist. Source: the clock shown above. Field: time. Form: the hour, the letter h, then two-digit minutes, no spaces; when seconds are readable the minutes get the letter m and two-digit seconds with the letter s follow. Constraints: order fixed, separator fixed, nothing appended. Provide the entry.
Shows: 9h03
